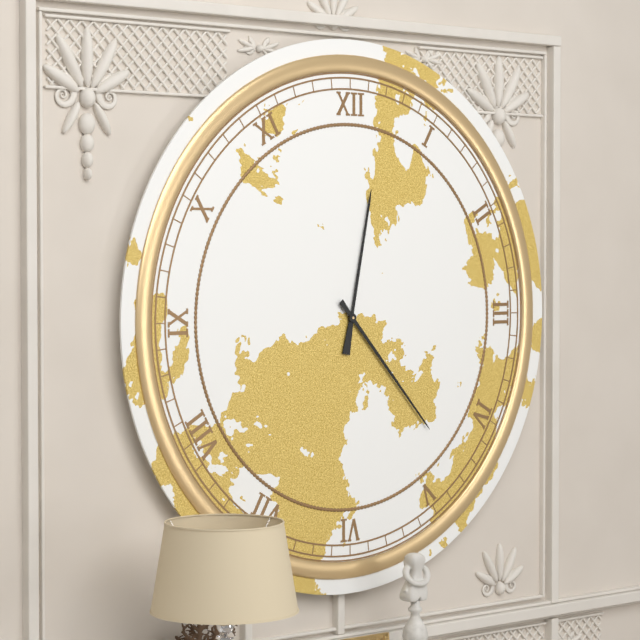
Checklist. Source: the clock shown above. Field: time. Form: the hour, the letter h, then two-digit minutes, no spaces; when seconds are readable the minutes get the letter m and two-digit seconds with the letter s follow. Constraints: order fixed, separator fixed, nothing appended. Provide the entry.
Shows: 12h23
